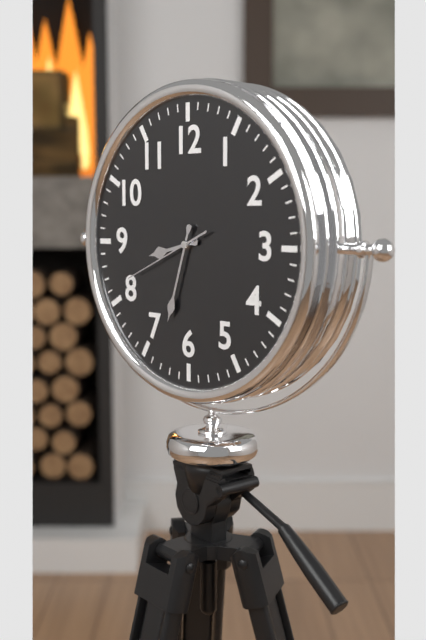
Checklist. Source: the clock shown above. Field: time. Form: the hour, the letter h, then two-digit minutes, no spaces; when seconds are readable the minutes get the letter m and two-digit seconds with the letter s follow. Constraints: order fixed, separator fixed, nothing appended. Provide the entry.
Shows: 8h33m41s
